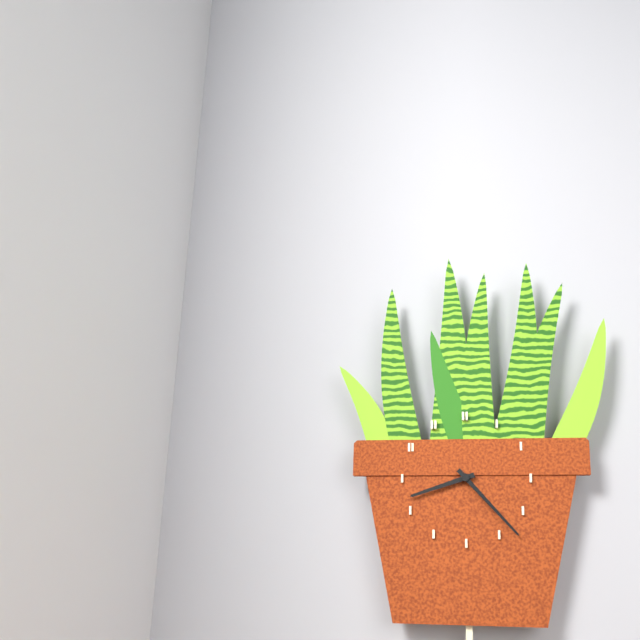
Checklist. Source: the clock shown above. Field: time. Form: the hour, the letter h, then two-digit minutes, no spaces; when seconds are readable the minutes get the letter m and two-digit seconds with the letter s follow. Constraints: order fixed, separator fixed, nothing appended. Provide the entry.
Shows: 8h23
